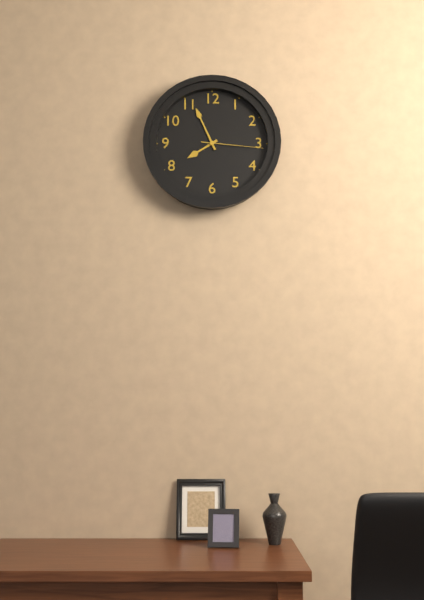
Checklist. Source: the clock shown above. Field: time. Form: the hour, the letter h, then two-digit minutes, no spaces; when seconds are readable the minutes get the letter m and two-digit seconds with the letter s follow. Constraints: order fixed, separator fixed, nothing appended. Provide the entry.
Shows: 7h56m16s
